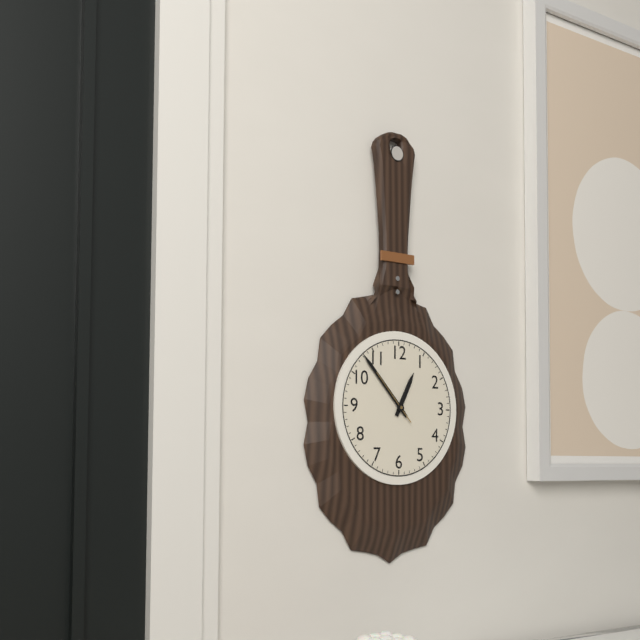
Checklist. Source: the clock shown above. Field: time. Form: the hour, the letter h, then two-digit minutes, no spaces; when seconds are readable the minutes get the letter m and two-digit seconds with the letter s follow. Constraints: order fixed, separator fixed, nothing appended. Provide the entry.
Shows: 12h53m53s
